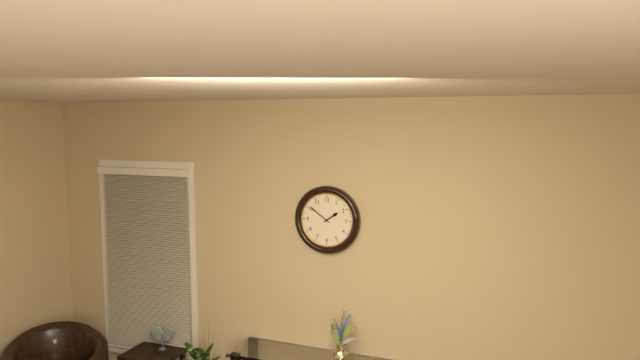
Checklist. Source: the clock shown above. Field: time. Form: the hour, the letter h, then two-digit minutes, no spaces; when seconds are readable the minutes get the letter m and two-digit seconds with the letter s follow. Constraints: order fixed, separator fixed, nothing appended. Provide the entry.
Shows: 1h51
